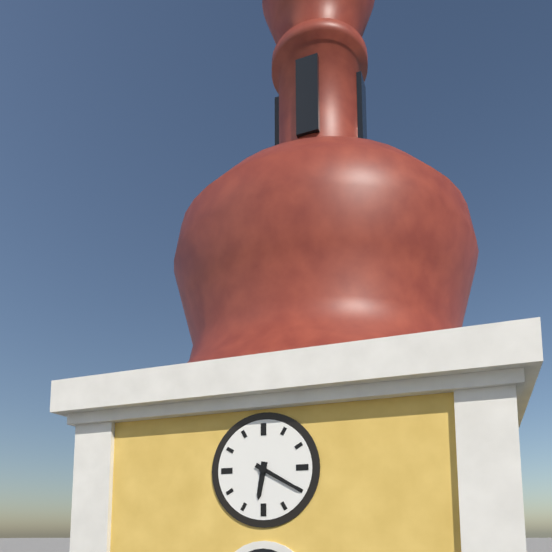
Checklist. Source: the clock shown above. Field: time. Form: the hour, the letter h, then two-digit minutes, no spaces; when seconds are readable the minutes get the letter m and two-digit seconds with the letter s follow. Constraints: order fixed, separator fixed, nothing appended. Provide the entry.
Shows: 6h20
